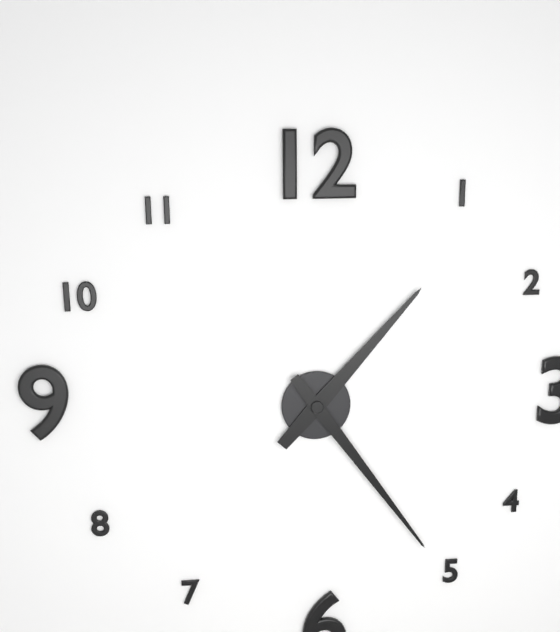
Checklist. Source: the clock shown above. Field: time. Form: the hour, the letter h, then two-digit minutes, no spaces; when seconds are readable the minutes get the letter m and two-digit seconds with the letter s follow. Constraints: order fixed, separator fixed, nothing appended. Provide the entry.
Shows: 1h24
